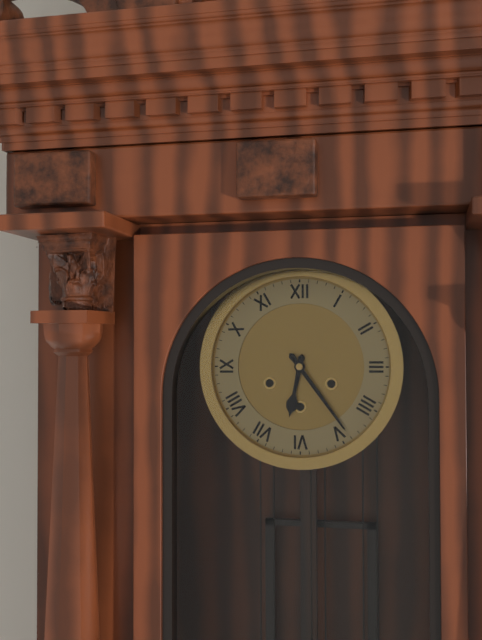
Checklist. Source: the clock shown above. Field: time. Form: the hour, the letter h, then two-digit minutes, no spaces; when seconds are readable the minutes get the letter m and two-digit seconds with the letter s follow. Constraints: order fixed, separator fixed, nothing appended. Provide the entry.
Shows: 6h24
